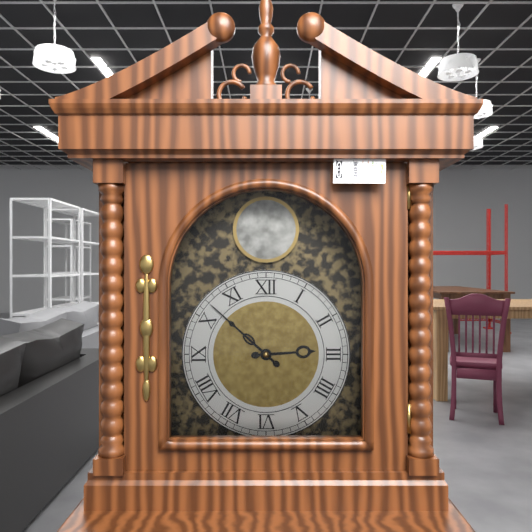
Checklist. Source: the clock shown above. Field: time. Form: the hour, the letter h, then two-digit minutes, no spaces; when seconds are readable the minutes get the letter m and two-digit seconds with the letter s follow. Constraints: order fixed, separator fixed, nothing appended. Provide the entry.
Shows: 2h52
